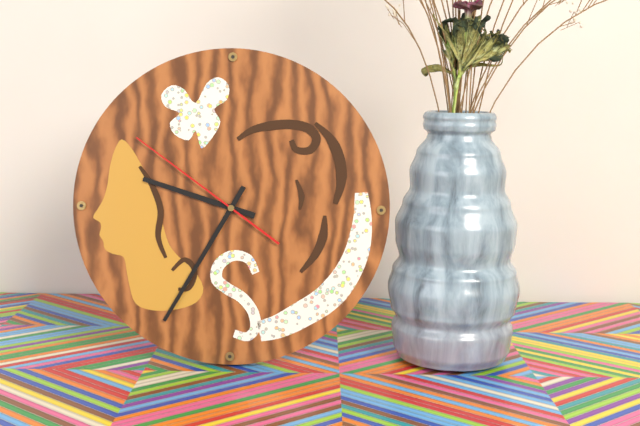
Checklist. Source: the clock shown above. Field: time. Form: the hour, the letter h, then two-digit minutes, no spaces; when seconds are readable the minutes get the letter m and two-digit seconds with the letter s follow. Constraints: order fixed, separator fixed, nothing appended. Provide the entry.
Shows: 9h35m51s
